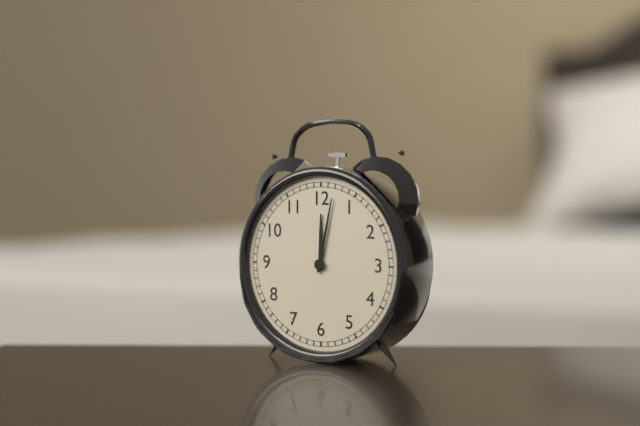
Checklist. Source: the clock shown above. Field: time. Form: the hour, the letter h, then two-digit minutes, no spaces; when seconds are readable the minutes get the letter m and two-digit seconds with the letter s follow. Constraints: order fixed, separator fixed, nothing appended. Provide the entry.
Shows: 12h02
